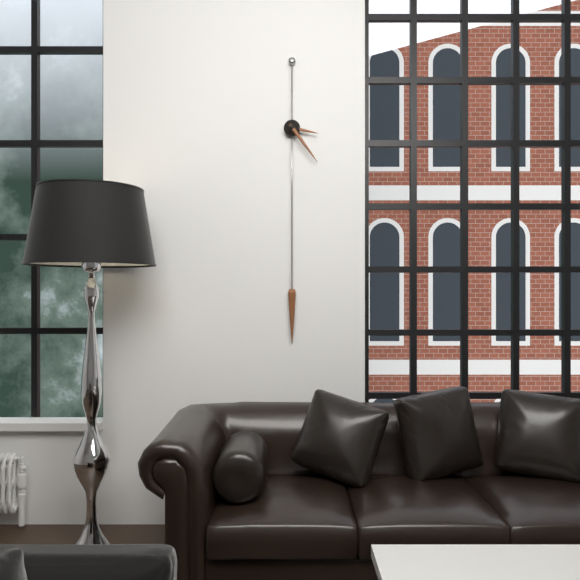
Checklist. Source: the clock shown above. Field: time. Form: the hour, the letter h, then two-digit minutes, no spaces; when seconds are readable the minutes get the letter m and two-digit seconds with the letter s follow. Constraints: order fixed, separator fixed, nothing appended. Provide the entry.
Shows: 3h24
